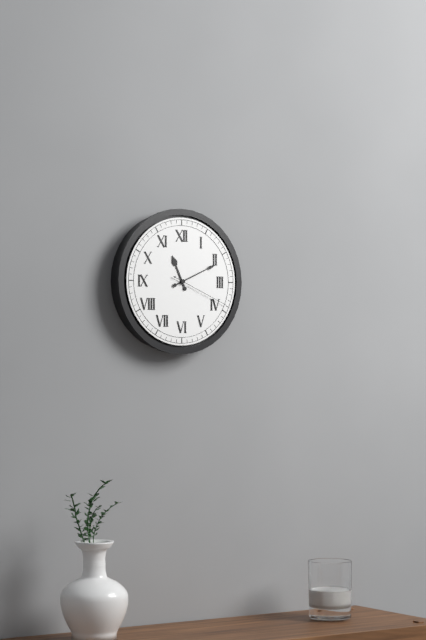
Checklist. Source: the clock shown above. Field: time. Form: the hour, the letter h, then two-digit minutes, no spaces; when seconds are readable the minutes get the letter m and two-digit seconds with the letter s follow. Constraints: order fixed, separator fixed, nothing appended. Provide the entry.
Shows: 11h11m19s
